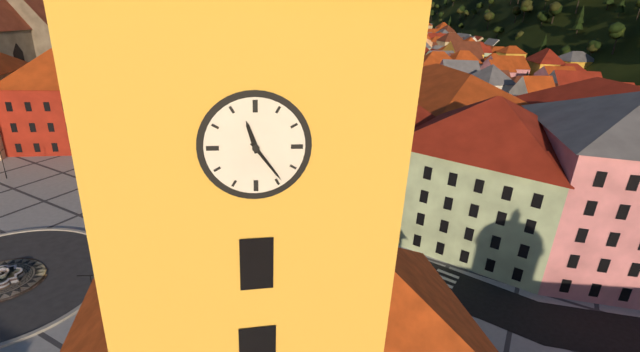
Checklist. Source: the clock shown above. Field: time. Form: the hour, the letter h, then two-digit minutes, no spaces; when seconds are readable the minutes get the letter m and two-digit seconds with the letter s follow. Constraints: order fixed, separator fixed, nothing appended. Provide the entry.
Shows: 11h24
